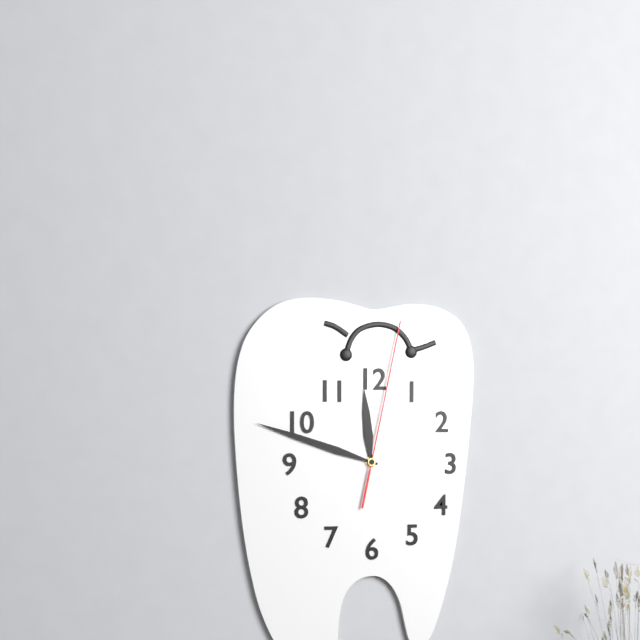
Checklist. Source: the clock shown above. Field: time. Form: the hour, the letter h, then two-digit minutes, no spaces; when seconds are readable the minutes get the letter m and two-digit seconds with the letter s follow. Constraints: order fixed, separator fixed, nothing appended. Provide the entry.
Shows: 11h48m02s
